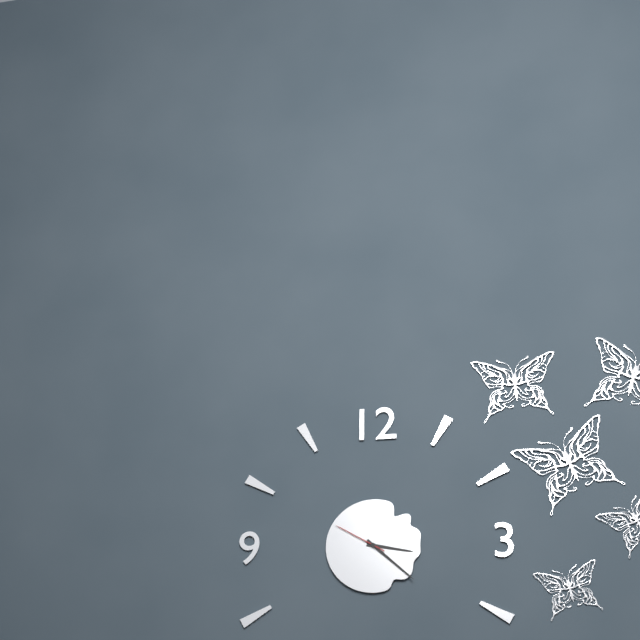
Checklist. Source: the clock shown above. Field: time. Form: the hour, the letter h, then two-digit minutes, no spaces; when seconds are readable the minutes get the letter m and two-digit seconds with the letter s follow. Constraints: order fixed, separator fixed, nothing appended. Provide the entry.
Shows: 3h22m50s
